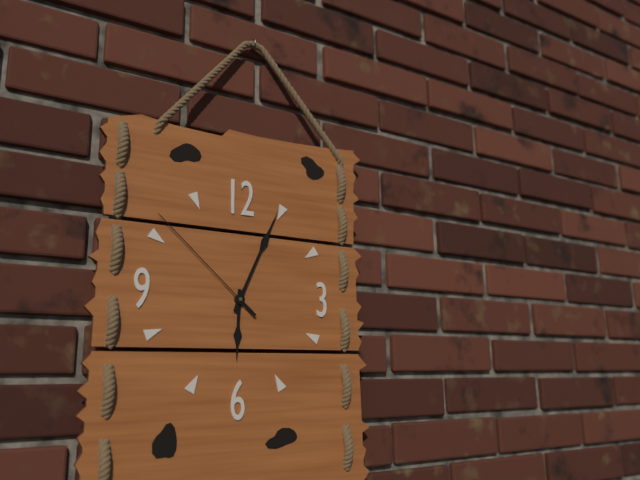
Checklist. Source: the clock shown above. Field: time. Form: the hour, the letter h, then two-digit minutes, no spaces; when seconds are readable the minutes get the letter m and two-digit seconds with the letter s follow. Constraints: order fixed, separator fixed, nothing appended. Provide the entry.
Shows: 6h04m52s
